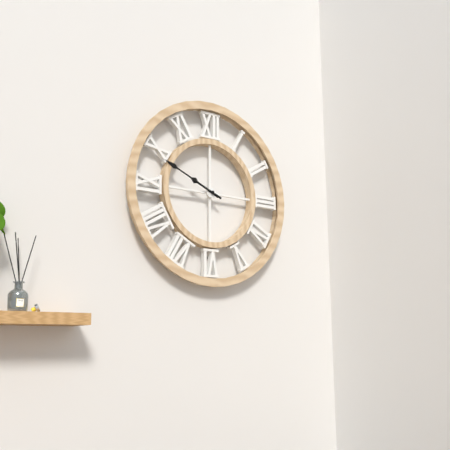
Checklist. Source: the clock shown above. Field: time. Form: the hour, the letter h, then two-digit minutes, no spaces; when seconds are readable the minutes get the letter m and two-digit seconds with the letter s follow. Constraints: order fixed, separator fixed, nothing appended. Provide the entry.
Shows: 9h49
